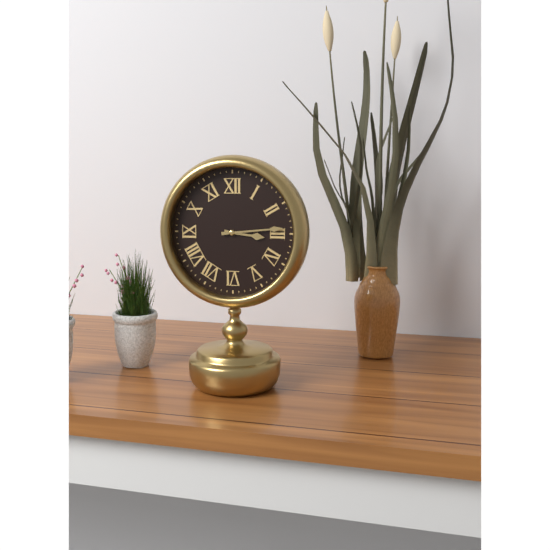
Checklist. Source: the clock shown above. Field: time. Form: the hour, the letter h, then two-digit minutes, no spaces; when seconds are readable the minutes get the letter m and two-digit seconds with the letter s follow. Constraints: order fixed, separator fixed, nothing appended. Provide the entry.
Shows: 3h14
